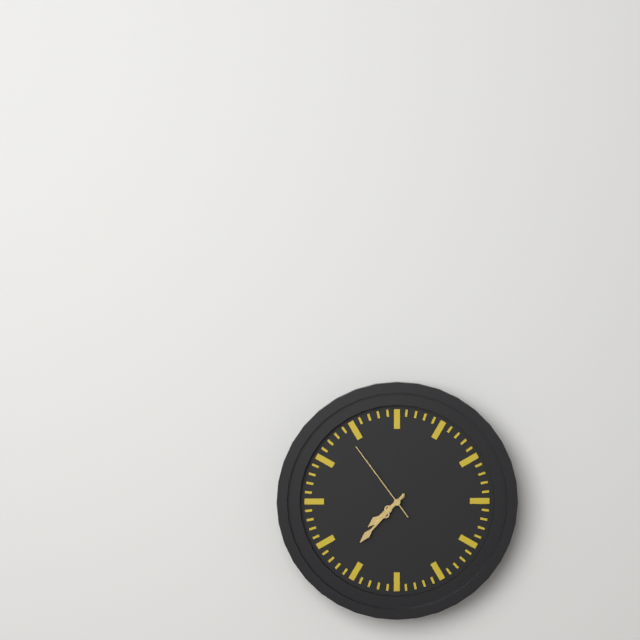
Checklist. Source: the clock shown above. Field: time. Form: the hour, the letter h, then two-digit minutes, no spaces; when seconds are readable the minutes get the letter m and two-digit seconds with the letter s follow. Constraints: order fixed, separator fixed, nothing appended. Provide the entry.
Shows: 7h37m54s
